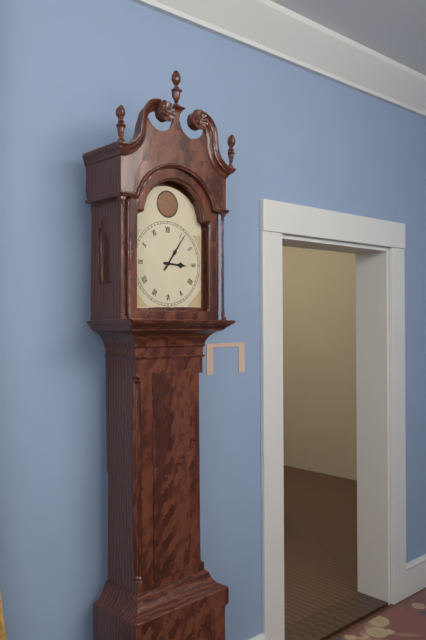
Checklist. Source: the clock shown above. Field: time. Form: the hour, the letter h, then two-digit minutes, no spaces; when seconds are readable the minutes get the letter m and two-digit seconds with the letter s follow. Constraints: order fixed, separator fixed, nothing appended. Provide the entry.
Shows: 3h06
